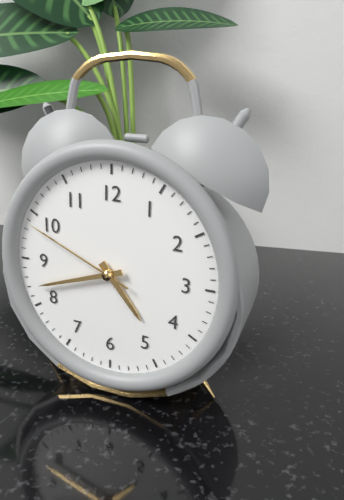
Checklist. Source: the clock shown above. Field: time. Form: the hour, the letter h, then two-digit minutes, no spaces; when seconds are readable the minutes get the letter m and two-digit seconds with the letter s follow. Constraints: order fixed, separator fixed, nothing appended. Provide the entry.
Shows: 4h42m49s
